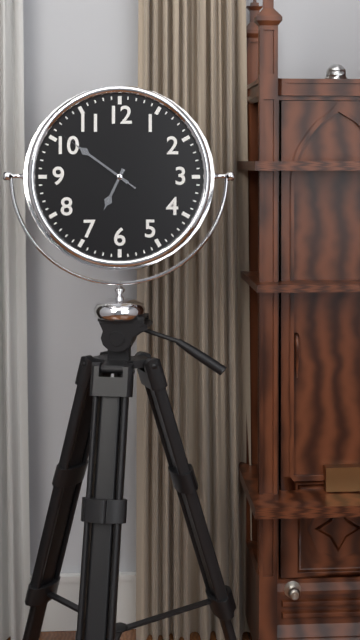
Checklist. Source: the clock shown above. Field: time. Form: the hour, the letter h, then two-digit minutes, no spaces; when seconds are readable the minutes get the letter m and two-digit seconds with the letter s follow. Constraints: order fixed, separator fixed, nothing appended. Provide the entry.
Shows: 6h51m51s
